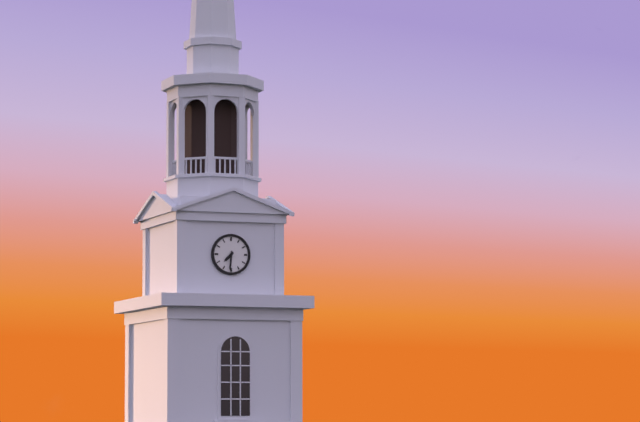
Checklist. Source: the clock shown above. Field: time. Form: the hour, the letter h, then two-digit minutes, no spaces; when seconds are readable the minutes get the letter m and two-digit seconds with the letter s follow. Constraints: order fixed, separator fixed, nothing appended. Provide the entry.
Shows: 7h31
